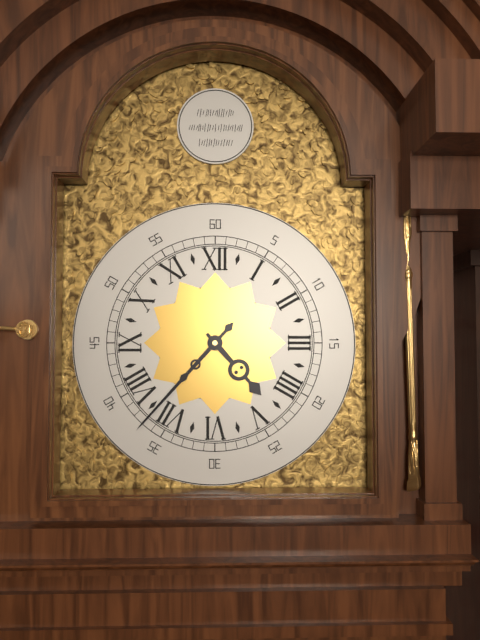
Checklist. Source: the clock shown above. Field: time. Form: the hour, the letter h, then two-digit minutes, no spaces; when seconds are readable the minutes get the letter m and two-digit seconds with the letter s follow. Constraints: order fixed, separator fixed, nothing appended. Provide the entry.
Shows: 4h37
